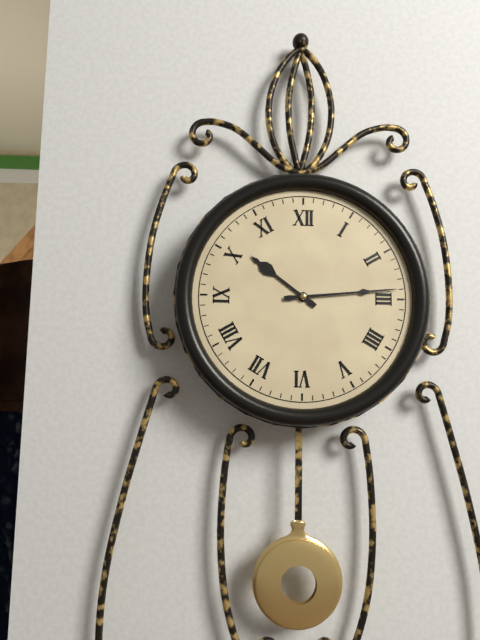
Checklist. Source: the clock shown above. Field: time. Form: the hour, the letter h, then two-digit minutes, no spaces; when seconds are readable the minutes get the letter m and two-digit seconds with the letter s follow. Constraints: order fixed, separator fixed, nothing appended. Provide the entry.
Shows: 10h14
